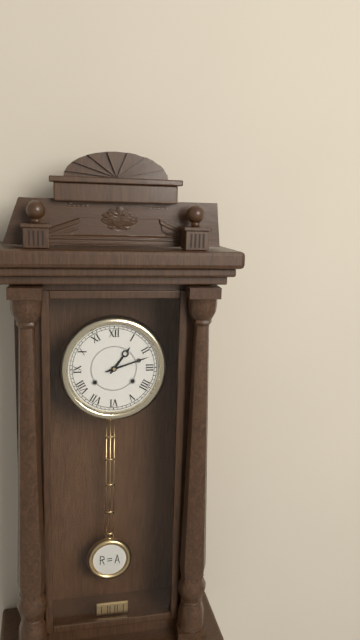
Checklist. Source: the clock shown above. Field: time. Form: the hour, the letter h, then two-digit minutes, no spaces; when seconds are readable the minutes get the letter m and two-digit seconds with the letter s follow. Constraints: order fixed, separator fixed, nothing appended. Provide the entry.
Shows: 1h12
